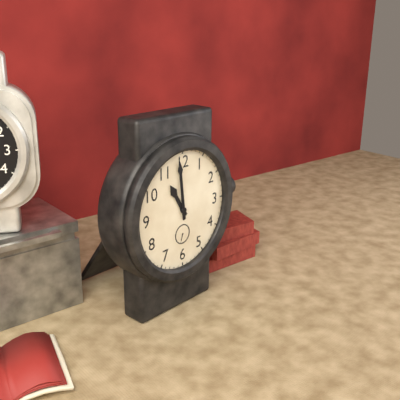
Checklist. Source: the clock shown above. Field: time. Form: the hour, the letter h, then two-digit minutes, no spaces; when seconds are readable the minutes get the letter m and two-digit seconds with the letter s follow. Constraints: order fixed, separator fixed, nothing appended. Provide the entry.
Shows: 10h59
